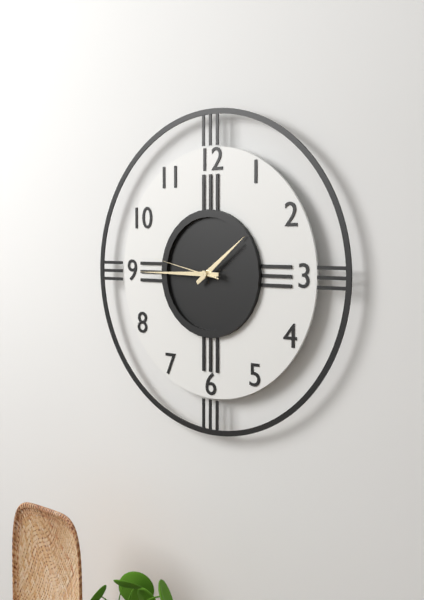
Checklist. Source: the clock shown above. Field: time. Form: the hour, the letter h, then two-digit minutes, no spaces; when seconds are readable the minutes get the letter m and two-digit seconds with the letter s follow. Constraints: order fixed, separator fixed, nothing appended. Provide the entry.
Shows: 1h45m47s
